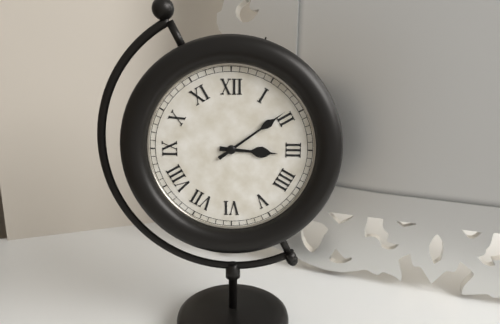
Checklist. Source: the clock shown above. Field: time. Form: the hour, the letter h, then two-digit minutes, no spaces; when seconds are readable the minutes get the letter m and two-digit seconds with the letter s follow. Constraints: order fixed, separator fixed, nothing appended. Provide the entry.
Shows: 3h09
